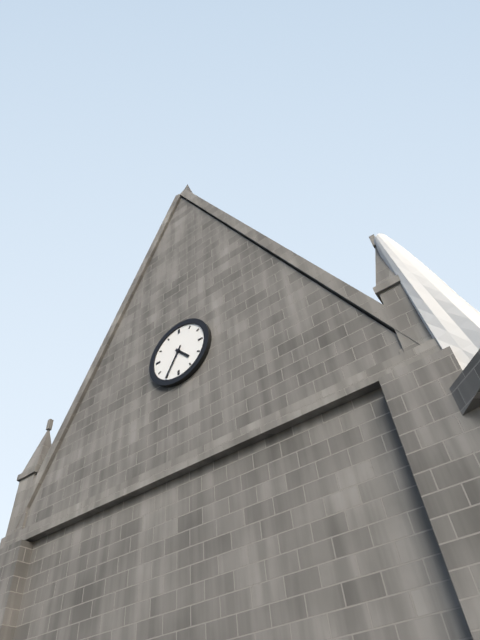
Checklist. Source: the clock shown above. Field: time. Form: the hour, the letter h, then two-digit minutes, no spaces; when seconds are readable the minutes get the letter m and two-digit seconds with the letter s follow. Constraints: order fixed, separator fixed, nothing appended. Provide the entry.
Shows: 4h35
